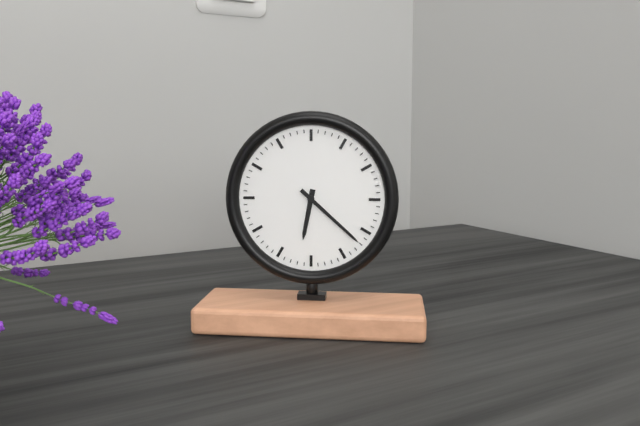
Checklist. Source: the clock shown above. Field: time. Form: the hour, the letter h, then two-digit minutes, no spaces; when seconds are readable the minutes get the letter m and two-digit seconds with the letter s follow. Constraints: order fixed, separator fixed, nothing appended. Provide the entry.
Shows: 6h22
